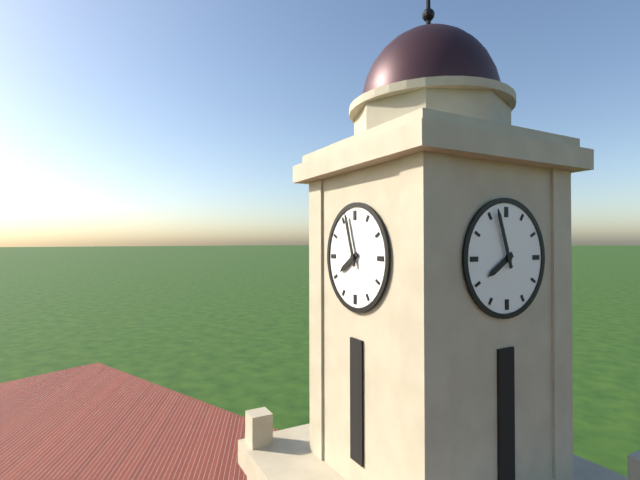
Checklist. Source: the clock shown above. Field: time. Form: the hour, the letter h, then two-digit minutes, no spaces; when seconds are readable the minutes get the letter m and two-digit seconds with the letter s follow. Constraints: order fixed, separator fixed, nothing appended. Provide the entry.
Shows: 7h57
